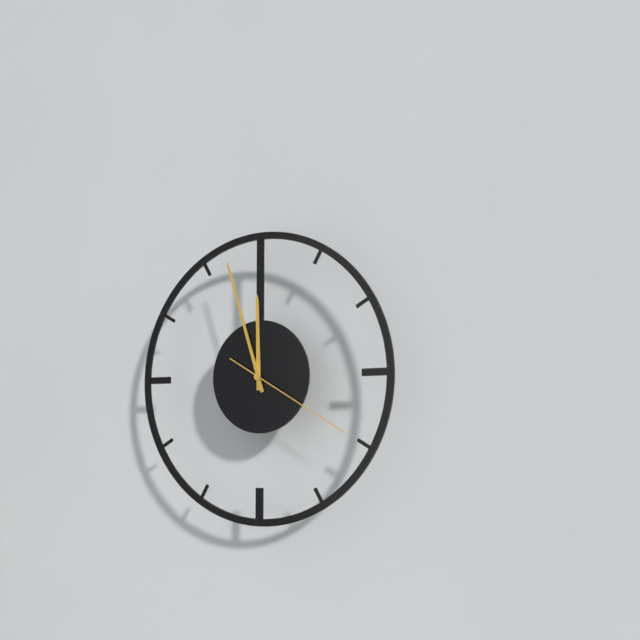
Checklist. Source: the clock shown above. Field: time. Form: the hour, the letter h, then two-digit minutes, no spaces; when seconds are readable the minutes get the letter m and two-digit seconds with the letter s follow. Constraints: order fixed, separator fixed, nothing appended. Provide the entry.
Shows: 11h57m20s
